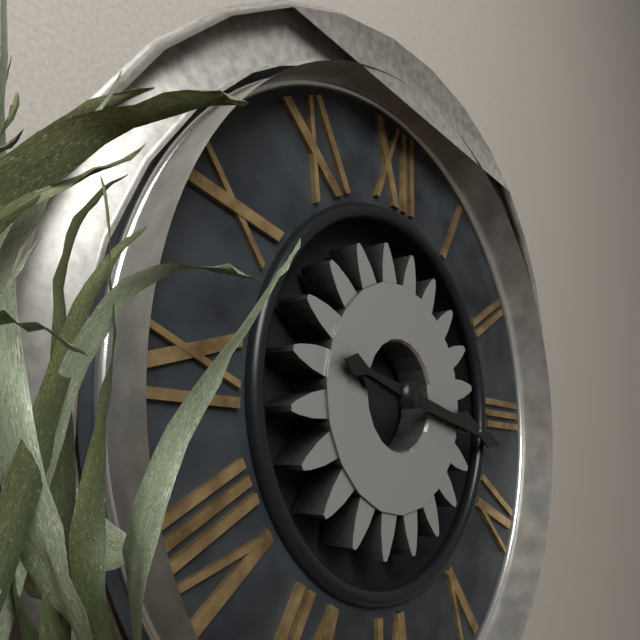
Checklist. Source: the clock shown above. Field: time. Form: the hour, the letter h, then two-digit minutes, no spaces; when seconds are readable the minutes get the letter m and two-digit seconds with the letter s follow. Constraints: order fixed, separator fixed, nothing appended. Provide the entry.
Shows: 3h17
